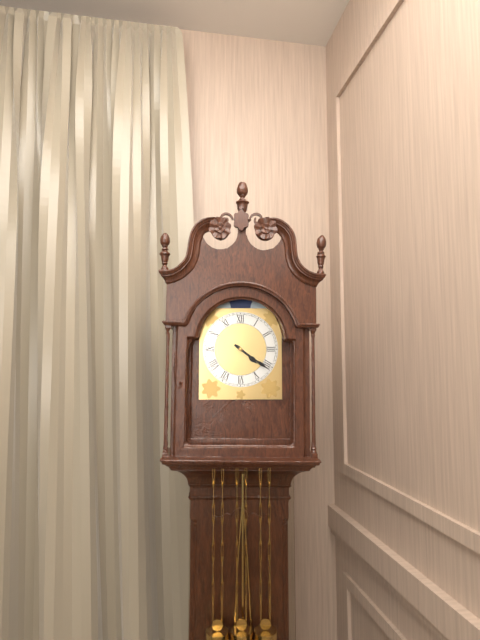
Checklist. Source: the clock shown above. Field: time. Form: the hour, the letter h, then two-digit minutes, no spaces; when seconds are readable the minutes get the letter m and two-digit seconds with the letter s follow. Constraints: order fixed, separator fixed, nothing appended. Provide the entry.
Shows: 4h21
